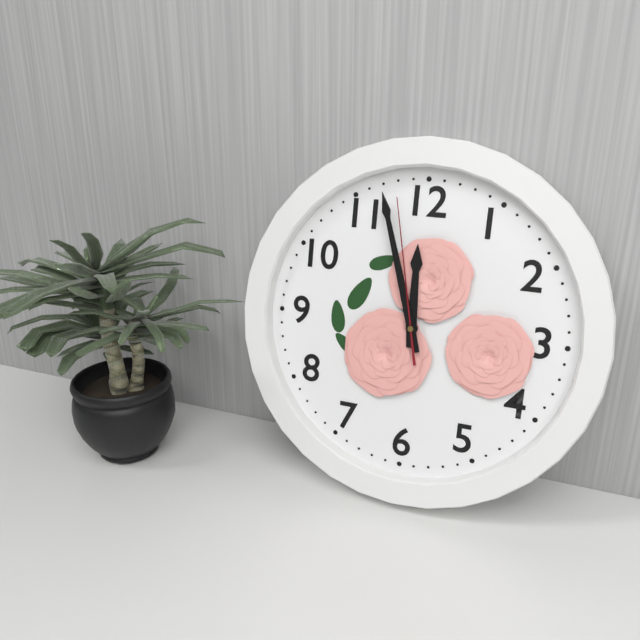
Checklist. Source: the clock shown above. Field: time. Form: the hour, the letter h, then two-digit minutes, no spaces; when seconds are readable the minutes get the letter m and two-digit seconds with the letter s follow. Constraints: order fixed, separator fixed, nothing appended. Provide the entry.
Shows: 11h57m58s
